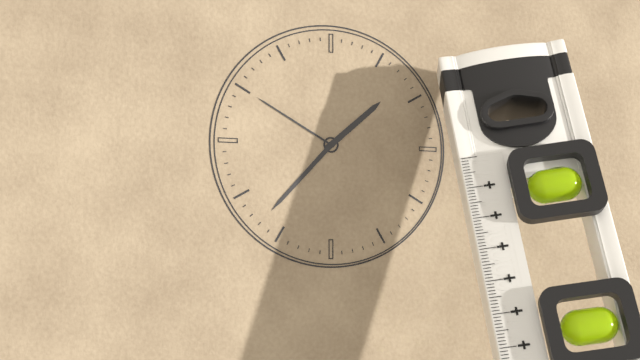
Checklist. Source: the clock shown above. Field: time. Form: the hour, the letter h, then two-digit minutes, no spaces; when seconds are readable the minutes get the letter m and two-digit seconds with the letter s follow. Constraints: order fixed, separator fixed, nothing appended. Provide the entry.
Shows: 1h37m50s
